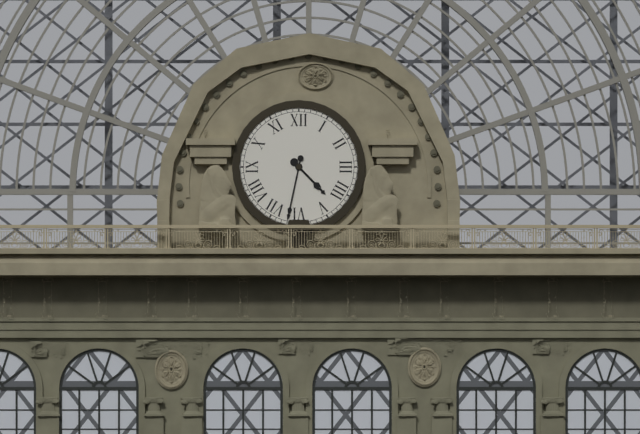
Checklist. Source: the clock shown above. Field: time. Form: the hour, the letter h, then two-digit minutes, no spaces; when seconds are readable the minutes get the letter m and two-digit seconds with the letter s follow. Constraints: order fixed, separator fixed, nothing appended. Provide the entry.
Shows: 4h32
